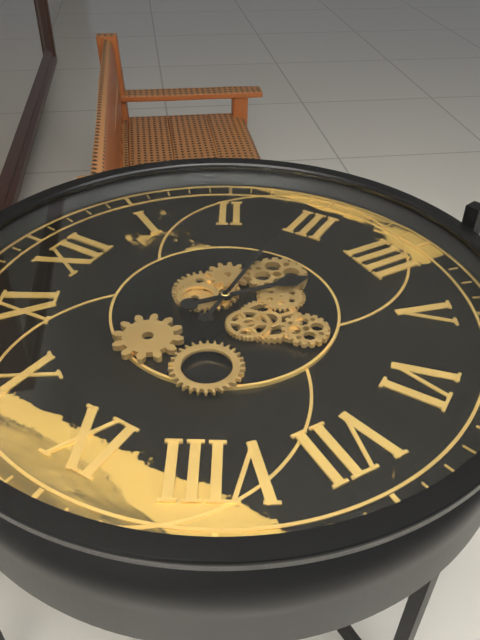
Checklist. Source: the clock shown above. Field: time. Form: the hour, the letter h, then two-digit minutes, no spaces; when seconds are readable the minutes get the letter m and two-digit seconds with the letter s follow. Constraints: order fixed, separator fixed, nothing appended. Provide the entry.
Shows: 4h14
